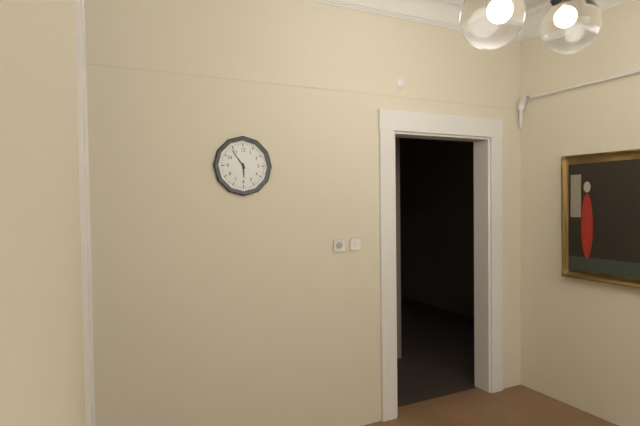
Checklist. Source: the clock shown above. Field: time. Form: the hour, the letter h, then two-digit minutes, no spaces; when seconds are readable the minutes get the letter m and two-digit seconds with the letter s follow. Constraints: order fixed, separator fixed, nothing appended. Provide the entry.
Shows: 5h54
